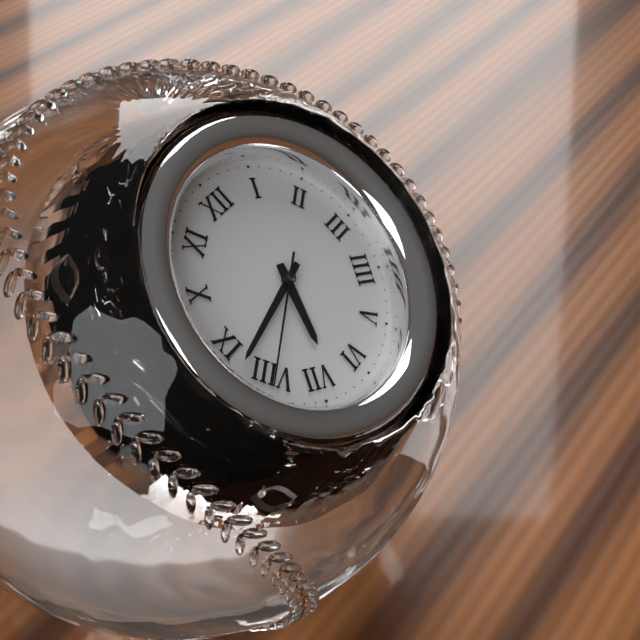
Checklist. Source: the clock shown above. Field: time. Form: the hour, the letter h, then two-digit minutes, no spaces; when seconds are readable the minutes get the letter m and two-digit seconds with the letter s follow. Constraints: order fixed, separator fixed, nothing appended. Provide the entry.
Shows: 6h43m40s
